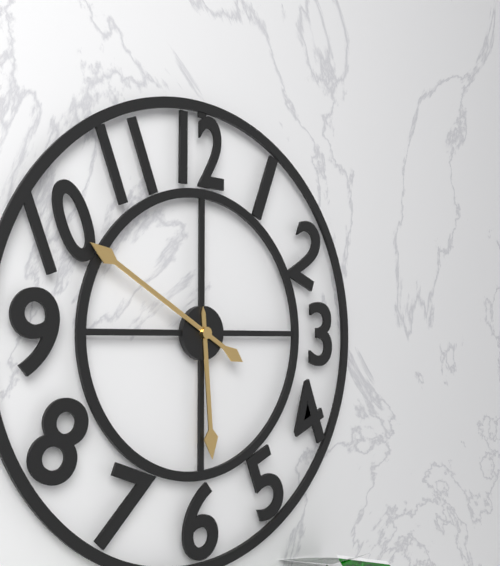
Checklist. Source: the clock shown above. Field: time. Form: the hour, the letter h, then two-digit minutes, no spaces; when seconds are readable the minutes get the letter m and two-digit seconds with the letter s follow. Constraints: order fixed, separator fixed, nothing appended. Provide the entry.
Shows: 5h50
